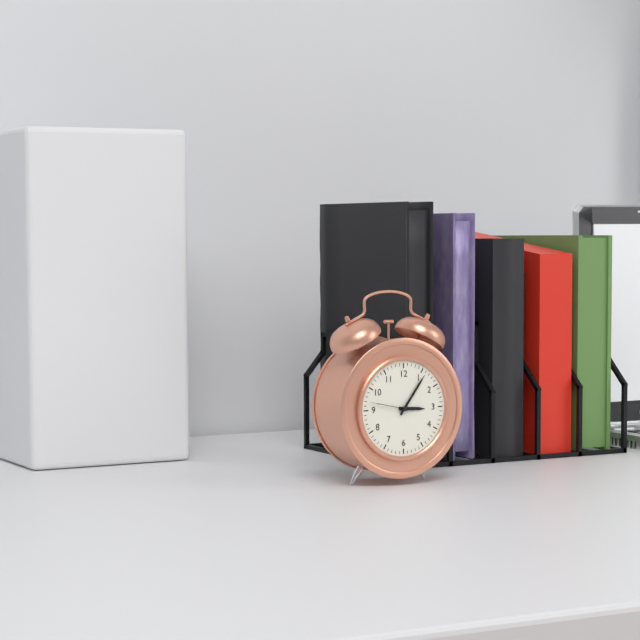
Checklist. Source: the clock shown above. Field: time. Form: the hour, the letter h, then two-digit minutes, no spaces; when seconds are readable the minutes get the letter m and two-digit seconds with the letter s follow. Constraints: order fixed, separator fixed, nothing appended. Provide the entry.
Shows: 3h06
